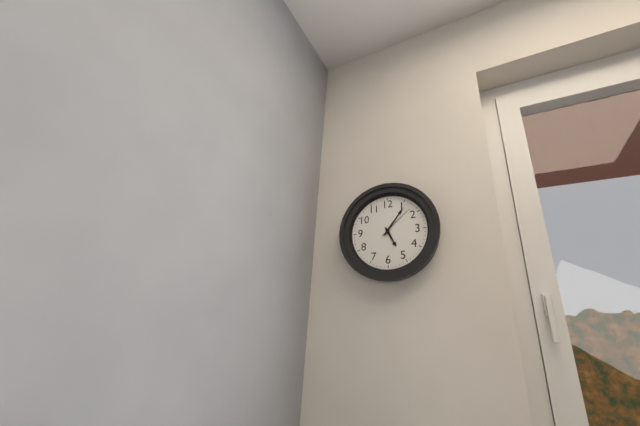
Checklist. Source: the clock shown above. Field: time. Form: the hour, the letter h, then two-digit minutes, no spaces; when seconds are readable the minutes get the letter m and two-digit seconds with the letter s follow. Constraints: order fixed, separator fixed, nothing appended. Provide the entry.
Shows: 5h06
